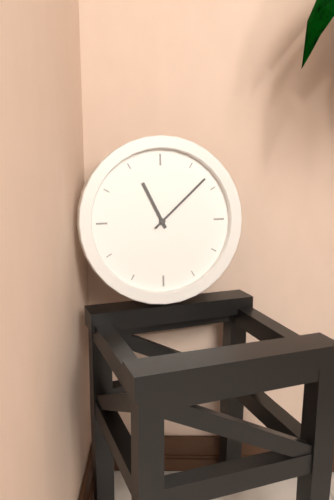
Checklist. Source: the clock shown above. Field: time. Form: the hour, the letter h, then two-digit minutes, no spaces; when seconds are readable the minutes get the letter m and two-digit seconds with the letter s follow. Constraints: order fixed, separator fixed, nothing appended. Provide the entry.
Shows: 11h08
